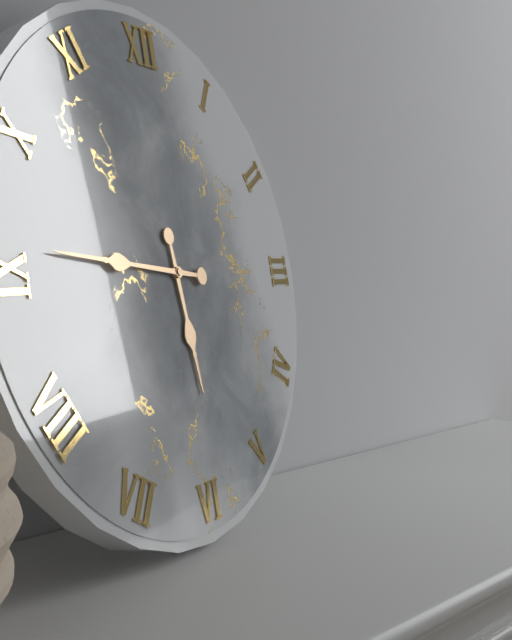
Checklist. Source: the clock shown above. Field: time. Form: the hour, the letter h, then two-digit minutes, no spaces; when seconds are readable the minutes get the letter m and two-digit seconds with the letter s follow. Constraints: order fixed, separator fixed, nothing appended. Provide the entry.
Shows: 5h46
